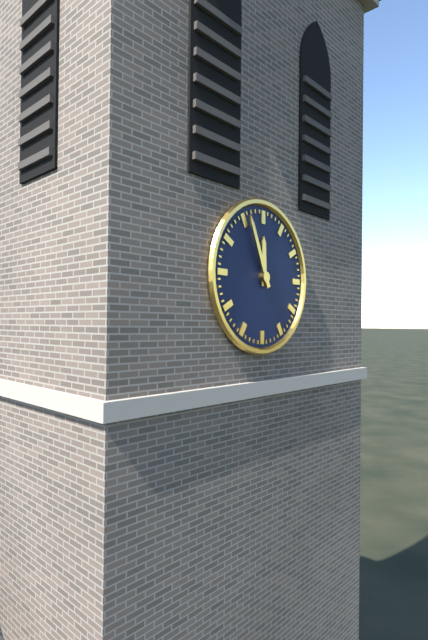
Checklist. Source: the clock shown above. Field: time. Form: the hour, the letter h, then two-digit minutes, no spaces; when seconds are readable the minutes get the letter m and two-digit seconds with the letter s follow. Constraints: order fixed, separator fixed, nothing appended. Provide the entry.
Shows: 11h56
